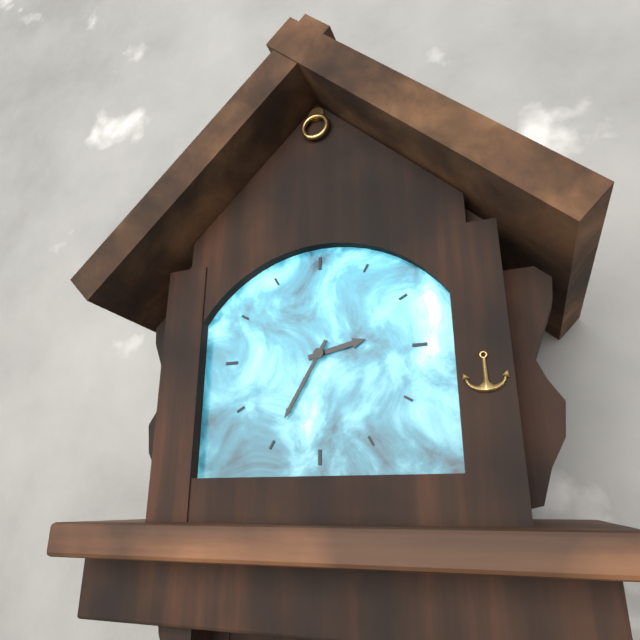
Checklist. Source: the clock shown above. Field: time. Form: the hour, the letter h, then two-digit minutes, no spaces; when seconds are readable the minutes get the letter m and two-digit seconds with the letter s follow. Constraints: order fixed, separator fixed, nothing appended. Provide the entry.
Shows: 2h35
